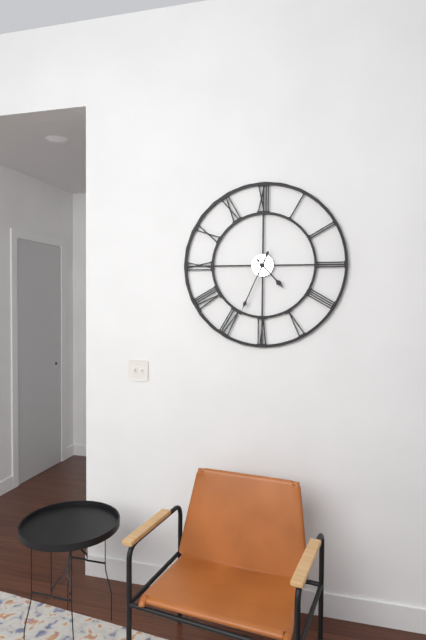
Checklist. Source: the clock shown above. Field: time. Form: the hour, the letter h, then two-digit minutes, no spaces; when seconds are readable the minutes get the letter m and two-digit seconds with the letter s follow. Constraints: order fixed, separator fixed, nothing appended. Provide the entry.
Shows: 4h34
